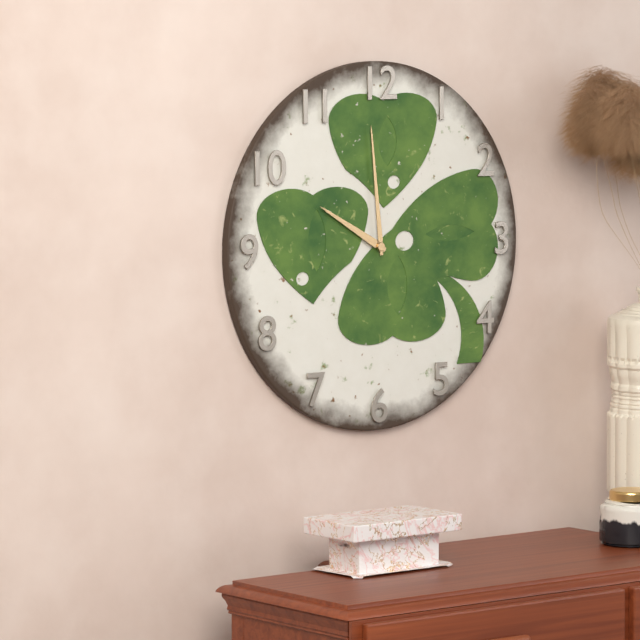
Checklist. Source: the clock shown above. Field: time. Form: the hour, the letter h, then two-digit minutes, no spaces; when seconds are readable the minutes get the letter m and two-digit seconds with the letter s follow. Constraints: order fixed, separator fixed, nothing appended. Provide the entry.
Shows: 9h59
